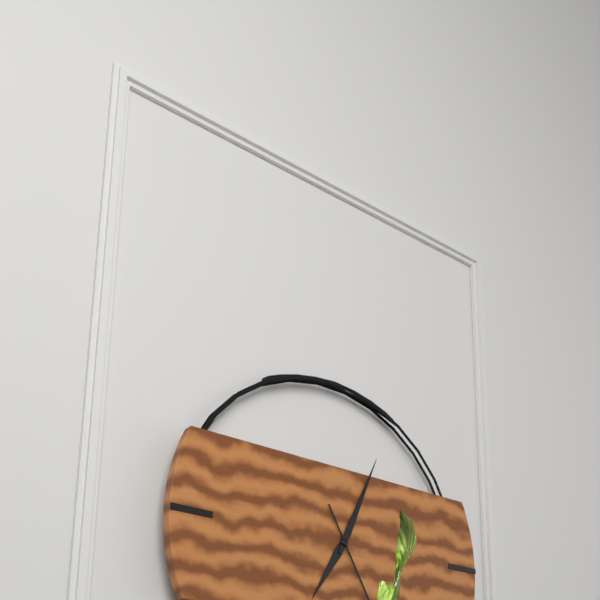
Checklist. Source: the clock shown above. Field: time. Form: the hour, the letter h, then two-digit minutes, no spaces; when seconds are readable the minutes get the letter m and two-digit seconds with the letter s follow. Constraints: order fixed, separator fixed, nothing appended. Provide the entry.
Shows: 7h04
